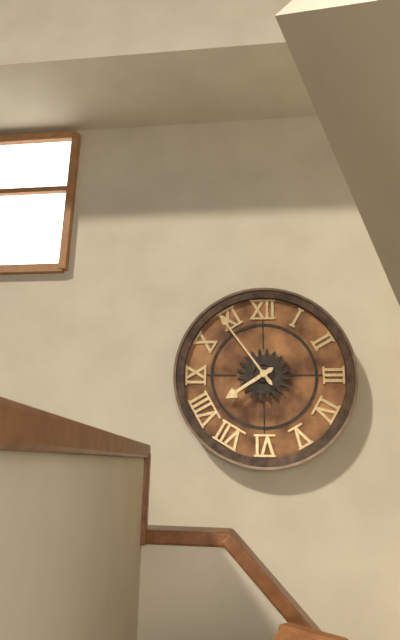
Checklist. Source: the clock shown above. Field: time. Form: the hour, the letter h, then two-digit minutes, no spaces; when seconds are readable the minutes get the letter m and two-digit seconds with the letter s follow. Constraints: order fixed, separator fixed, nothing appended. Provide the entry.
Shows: 7h54
